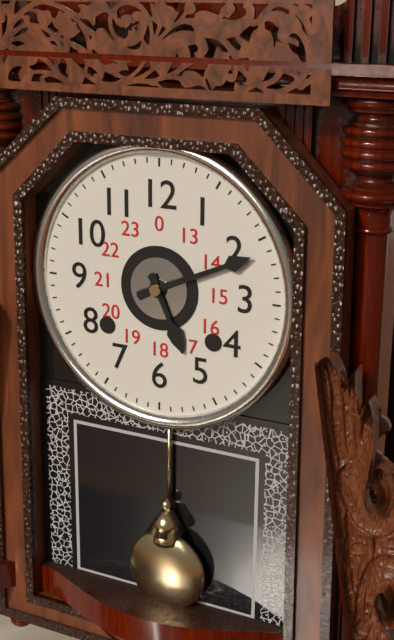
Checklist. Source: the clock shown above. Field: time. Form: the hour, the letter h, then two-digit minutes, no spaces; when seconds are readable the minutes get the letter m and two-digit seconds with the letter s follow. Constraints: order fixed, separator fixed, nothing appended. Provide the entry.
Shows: 5h11
